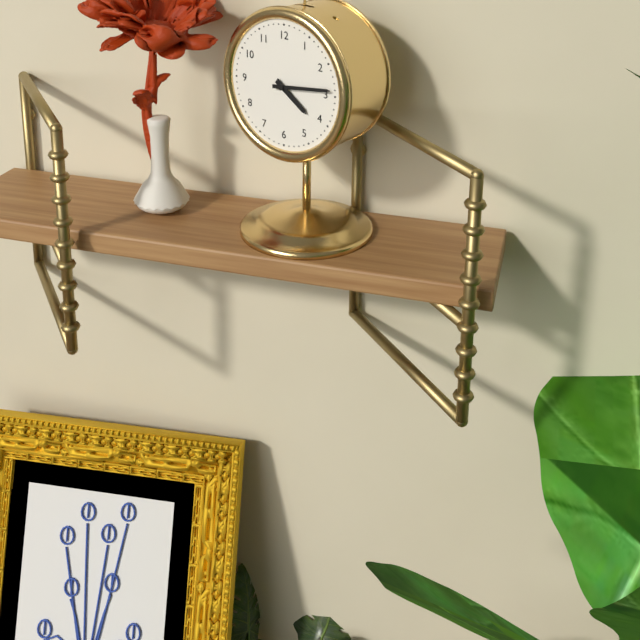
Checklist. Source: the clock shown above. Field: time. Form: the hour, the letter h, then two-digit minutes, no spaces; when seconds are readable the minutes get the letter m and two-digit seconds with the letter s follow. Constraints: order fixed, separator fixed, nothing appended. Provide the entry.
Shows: 4h14
